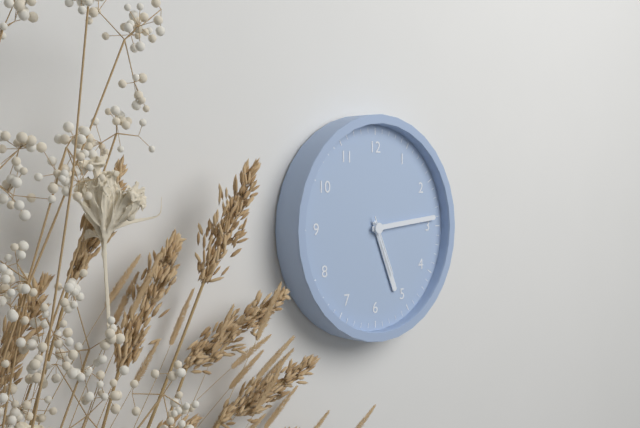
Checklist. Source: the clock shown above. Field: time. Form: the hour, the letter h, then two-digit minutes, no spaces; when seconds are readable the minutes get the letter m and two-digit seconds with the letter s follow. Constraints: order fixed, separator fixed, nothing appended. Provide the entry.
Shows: 5h14m26s
